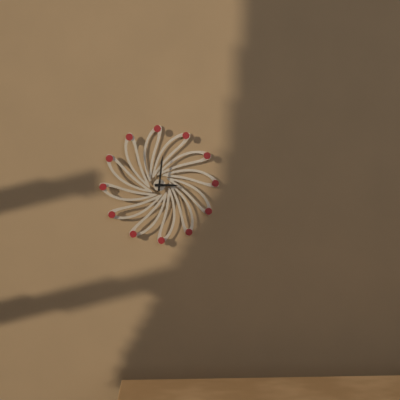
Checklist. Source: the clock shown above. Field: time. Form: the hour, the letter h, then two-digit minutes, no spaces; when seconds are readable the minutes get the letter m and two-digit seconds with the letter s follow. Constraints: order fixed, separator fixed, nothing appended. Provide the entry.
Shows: 3h01
